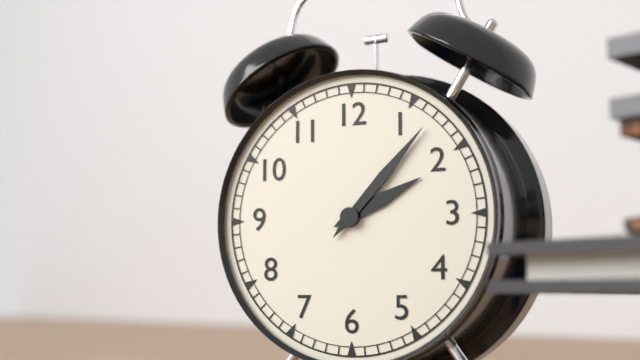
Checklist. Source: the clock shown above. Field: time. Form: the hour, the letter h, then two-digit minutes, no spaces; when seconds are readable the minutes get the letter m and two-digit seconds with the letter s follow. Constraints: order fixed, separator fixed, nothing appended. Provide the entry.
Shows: 2h07
